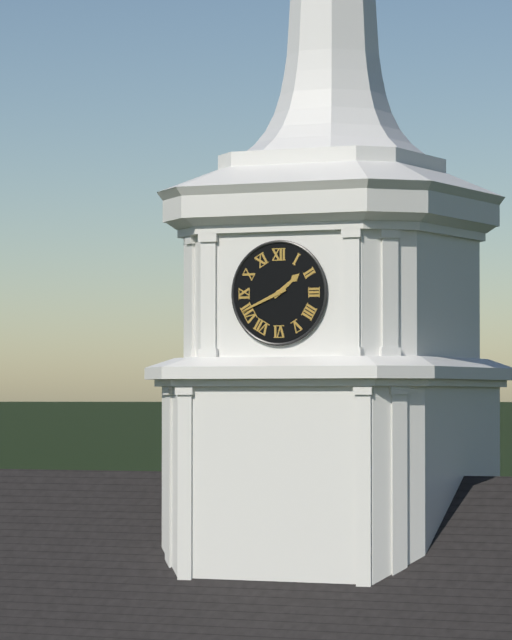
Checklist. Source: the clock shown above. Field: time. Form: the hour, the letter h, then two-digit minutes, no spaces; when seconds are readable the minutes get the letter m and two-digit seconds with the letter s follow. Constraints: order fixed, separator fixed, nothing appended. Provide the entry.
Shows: 1h41
